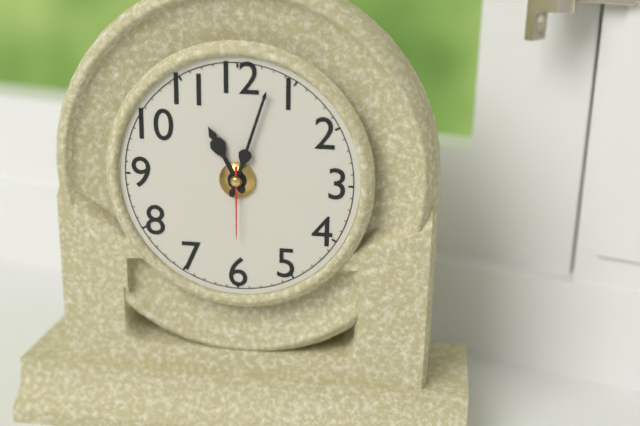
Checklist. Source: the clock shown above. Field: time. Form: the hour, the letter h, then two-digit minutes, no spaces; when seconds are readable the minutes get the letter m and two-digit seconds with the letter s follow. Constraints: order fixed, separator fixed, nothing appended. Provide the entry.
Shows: 11h03m30s
